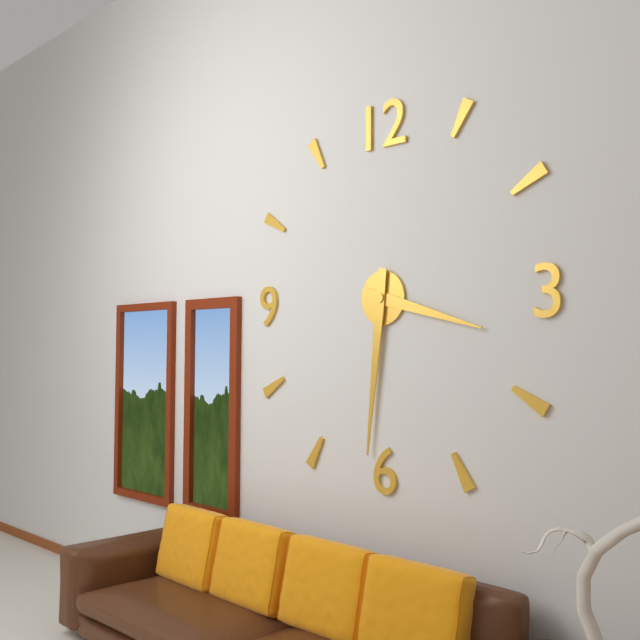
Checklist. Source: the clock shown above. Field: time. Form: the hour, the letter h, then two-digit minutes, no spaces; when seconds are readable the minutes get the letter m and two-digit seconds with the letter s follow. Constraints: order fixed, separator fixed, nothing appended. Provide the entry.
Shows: 3h31
